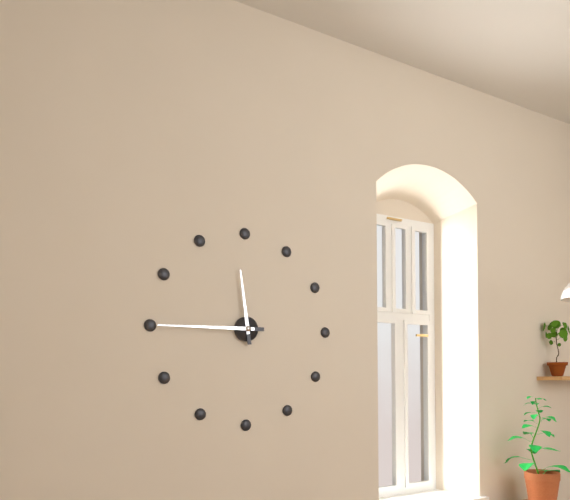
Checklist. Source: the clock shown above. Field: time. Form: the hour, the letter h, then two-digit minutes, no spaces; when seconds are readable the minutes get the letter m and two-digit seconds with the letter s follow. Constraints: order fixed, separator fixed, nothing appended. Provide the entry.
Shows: 11h45
